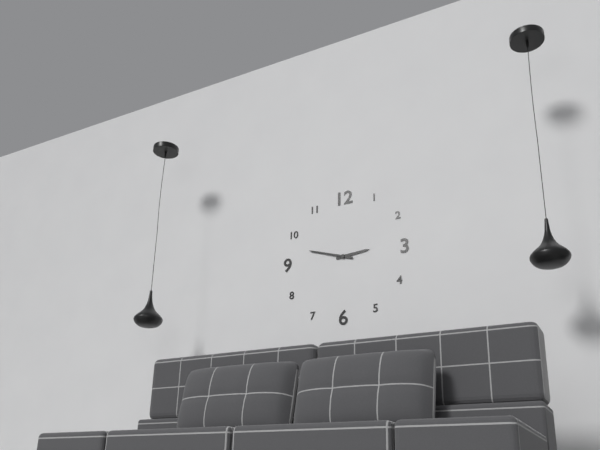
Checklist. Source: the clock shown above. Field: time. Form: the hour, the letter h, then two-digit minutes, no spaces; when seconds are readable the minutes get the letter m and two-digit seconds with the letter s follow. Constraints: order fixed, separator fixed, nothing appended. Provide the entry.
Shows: 2h48
